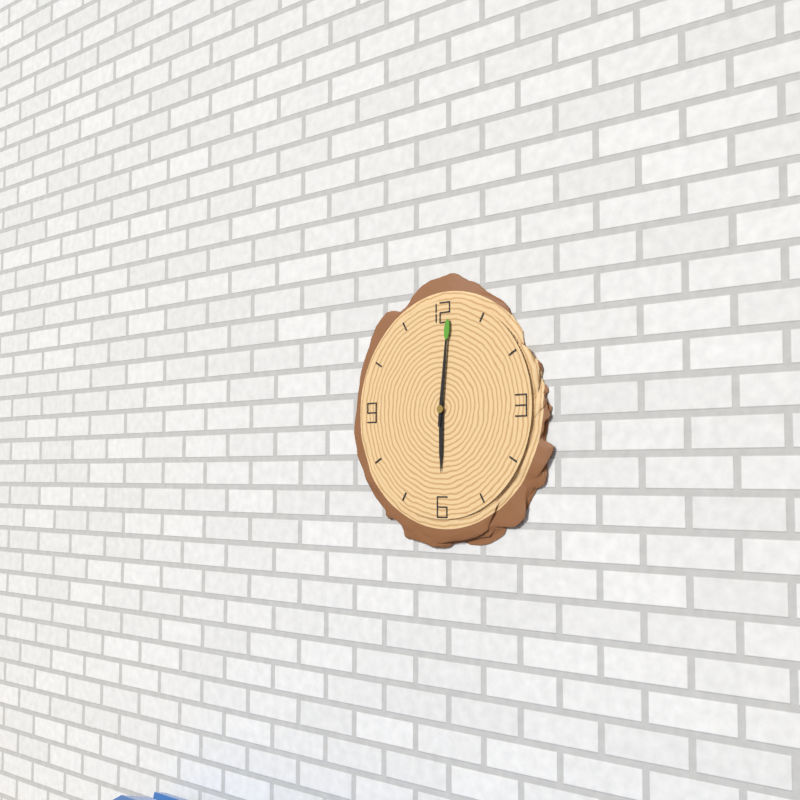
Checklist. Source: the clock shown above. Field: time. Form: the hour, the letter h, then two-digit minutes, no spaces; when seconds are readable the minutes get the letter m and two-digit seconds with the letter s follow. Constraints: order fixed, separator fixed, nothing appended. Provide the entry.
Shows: 6h01
